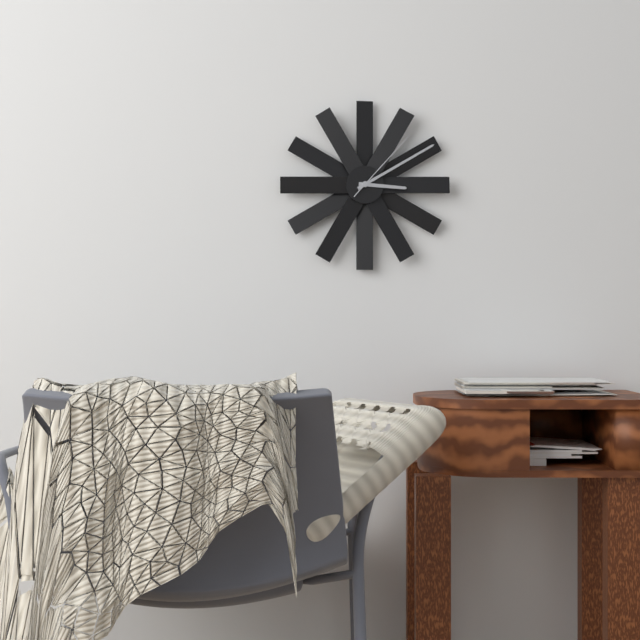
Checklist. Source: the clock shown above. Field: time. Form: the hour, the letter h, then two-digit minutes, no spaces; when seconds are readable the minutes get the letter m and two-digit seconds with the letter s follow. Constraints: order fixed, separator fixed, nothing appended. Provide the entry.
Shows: 3h10m07s
